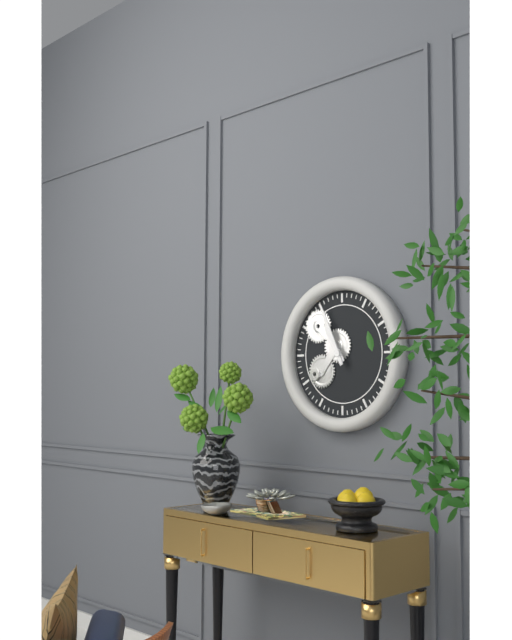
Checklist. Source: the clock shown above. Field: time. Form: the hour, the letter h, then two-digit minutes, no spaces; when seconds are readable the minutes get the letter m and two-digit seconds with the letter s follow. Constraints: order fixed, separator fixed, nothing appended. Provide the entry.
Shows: 10h56
